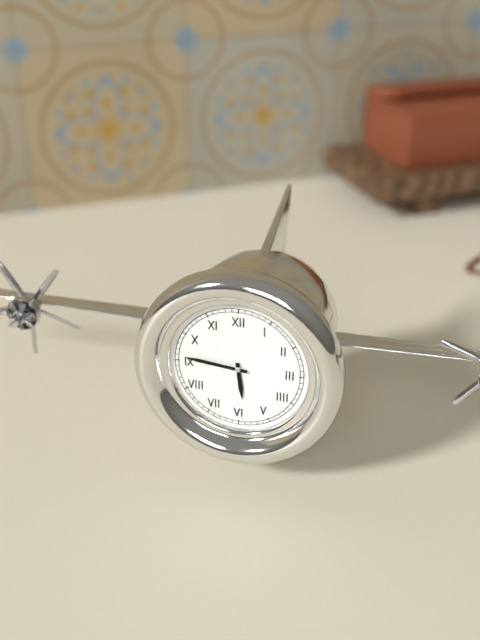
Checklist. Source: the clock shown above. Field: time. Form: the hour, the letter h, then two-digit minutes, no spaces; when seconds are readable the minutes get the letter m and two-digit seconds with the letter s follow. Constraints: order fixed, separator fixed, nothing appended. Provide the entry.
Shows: 5h46
